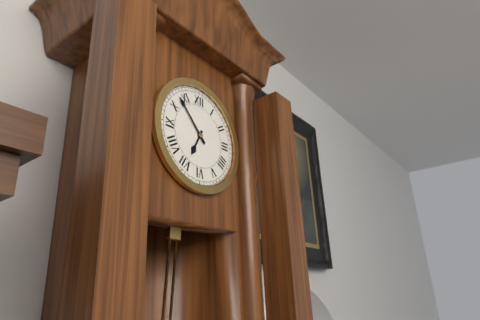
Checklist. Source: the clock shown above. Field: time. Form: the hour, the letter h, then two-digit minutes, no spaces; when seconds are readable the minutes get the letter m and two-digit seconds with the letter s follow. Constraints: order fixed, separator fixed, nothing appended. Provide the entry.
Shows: 6h53
